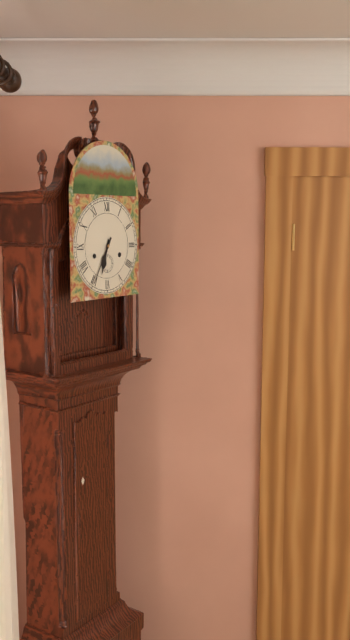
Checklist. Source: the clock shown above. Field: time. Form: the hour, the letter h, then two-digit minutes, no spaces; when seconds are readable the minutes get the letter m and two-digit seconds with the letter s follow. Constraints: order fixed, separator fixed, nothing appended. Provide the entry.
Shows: 6h35
